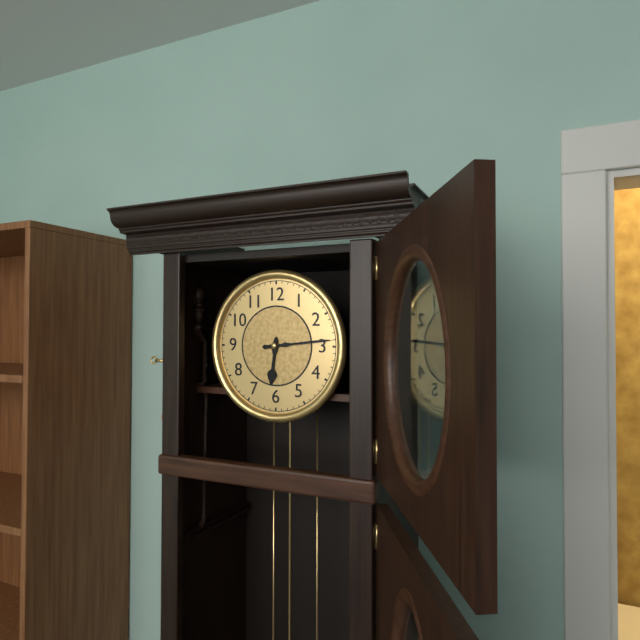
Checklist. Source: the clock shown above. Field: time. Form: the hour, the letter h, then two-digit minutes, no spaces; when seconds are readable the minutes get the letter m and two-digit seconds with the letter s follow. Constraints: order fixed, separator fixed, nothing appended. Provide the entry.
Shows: 6h14
